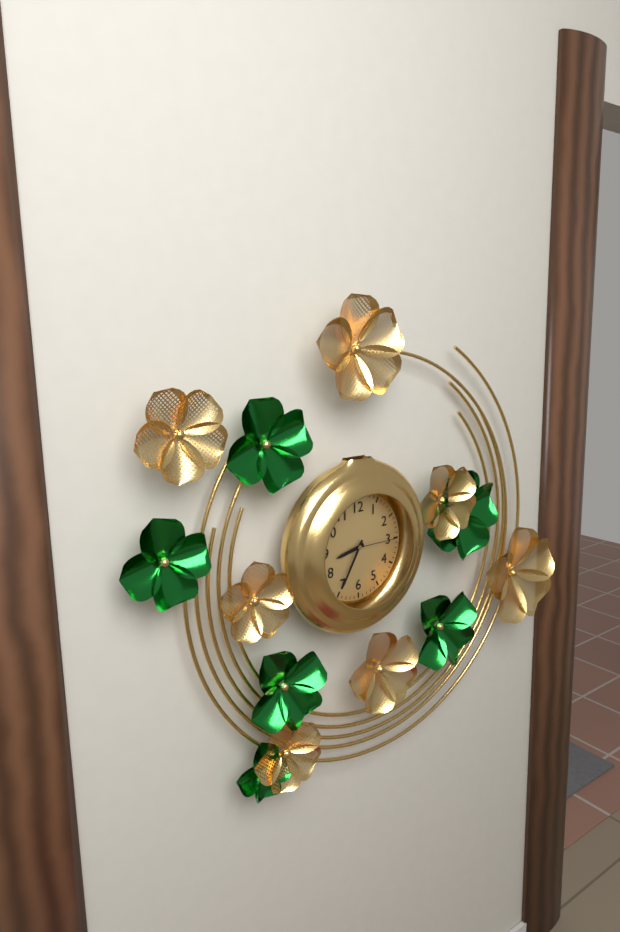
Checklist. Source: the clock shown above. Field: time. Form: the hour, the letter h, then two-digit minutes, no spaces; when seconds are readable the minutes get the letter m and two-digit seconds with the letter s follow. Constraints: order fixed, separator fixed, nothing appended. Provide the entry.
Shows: 8h35
